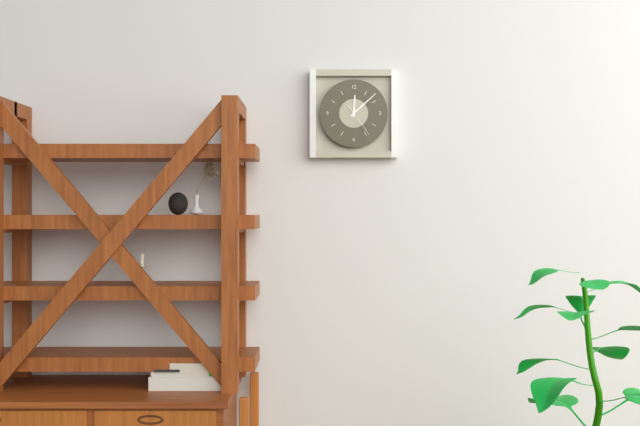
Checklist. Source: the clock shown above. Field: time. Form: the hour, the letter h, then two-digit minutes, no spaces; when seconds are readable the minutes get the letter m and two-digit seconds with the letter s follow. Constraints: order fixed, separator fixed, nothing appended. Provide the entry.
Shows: 12h08
